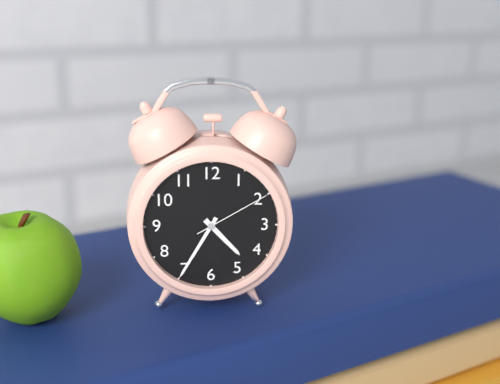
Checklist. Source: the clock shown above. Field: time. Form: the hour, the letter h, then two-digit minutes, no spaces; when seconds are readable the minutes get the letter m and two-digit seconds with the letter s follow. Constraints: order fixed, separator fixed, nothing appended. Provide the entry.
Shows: 4h35m10s
